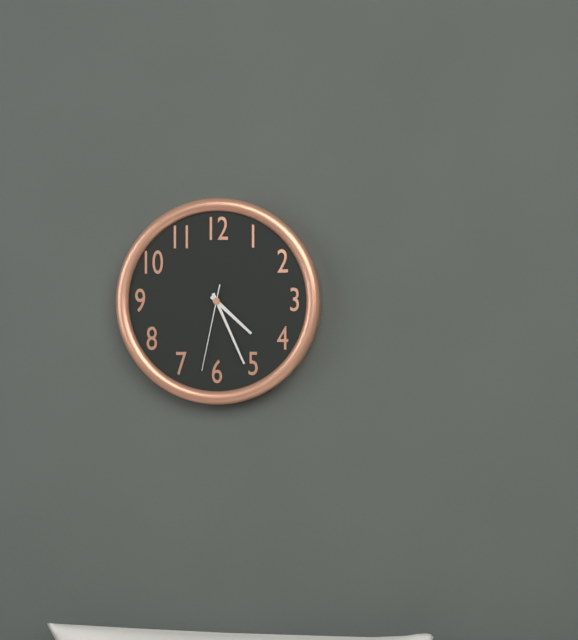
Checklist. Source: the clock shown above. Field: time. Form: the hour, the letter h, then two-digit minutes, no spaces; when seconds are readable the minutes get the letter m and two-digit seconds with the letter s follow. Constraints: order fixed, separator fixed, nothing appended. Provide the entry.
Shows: 4h26m32s
